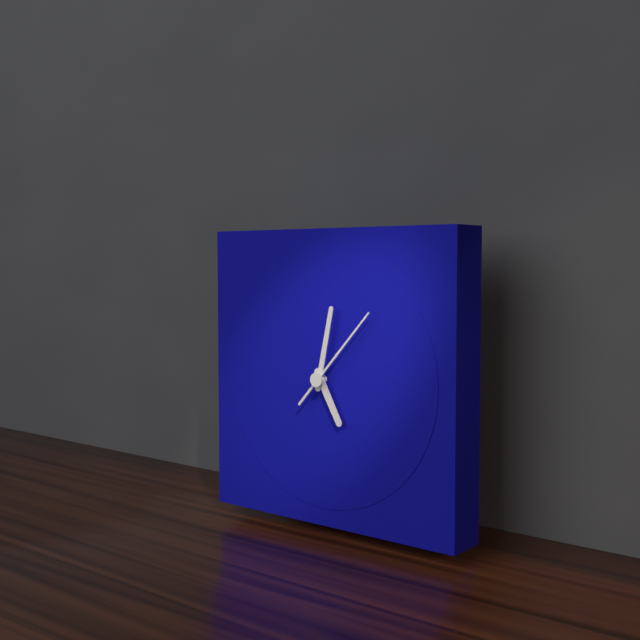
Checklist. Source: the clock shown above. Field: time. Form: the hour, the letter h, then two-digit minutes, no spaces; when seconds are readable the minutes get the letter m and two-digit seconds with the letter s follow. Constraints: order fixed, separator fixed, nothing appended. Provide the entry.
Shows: 5h02m07s
